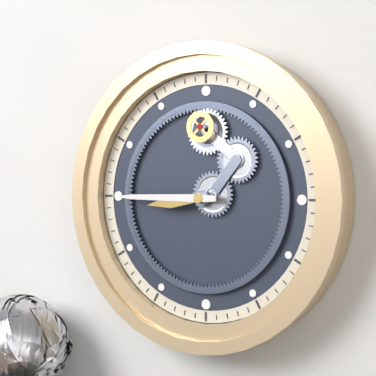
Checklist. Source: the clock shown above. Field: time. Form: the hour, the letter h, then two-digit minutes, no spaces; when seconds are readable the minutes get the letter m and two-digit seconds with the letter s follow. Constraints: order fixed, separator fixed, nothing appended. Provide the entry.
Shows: 8h45
